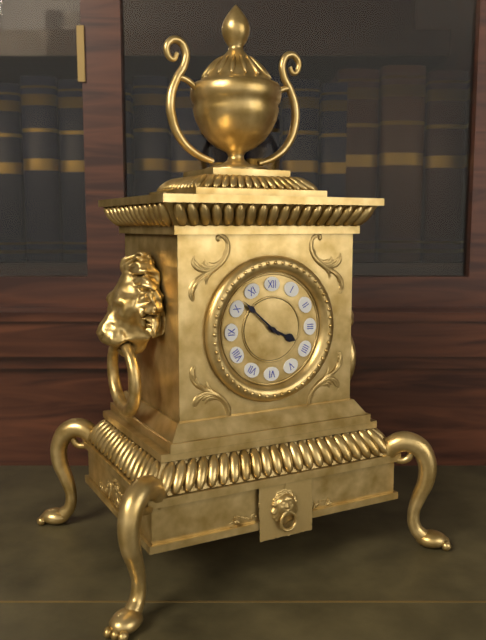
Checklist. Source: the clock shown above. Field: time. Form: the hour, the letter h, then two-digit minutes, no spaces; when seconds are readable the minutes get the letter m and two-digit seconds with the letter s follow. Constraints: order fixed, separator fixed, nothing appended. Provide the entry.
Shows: 3h52
